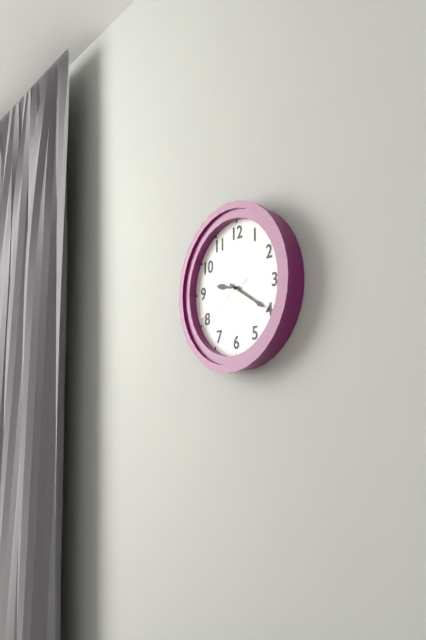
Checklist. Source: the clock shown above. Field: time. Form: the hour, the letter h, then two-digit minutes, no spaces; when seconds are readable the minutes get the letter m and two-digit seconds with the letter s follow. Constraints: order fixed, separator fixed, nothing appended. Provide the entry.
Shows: 9h20m41s
